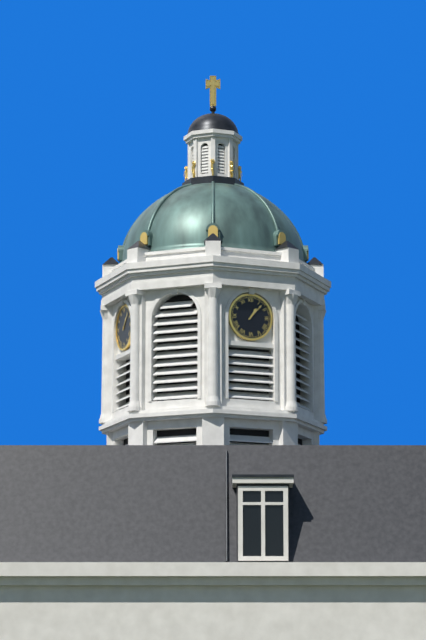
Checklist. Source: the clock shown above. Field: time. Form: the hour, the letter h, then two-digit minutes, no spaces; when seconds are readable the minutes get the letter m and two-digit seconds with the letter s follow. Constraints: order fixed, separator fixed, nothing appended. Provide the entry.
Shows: 1h07
